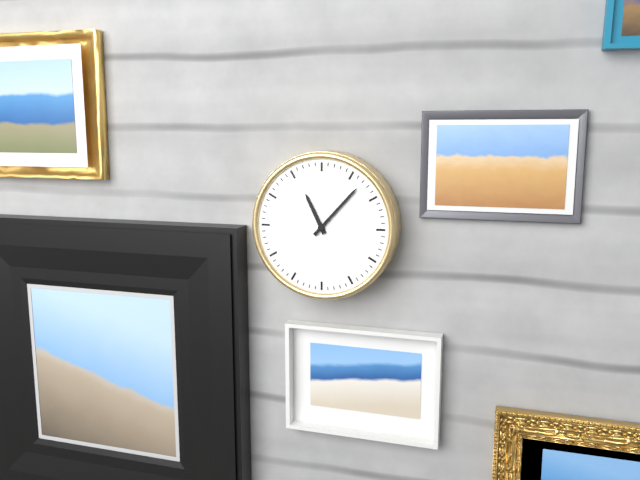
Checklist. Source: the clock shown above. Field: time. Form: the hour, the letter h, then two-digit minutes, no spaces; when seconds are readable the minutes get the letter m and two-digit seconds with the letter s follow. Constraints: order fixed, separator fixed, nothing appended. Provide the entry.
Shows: 11h07
